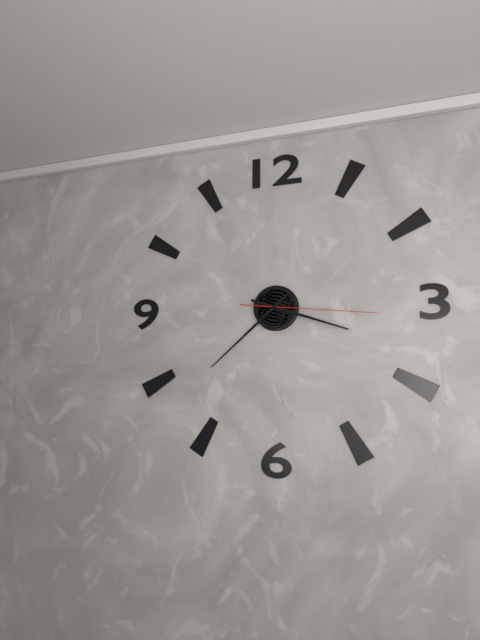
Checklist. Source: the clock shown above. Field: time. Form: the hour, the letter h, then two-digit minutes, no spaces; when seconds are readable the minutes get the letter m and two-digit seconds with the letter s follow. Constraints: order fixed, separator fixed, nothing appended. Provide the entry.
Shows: 3h38m16s
